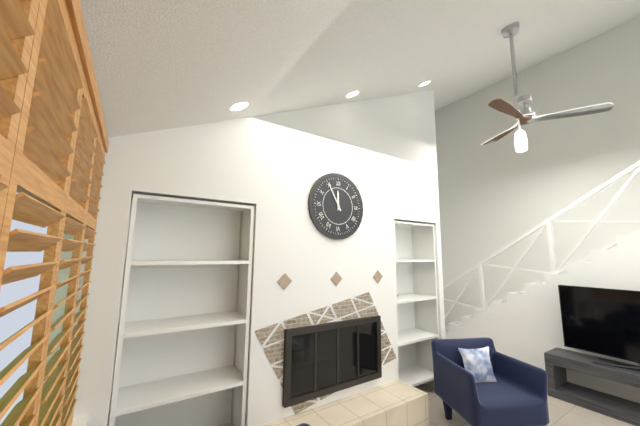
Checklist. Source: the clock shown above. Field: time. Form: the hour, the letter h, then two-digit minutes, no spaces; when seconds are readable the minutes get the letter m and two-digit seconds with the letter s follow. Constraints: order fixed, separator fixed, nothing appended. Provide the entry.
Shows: 11h55
